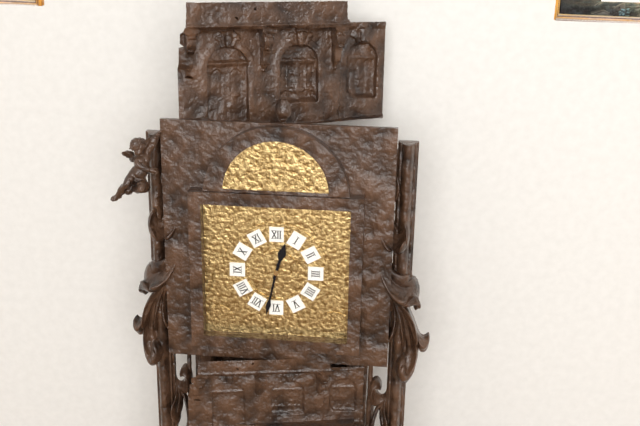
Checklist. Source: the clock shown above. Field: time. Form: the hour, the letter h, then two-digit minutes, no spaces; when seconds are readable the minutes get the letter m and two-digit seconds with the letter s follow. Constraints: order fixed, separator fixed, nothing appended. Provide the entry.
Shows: 12h32
